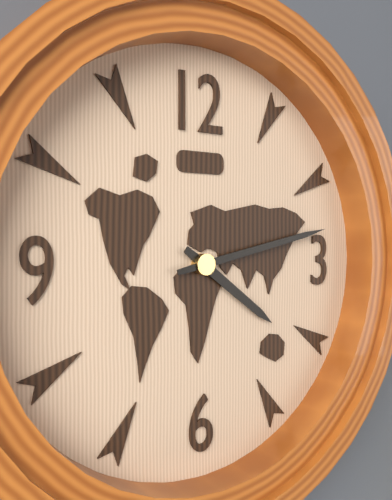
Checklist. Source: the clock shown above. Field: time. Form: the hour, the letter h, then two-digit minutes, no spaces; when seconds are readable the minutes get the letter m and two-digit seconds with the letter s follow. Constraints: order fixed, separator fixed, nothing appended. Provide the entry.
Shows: 4h13
